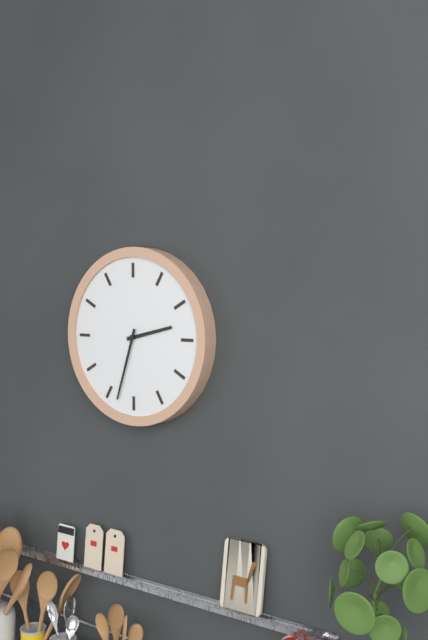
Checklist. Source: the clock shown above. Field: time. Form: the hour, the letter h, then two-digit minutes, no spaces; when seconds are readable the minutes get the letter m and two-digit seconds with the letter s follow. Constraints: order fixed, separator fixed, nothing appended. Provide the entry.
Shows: 2h33
